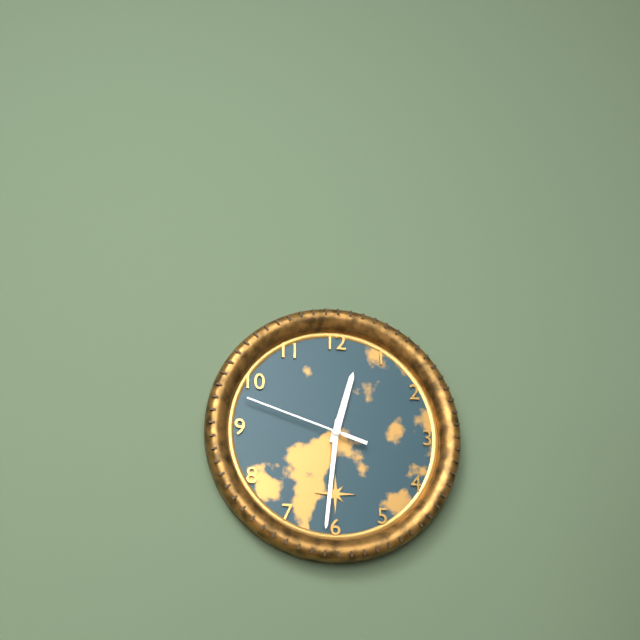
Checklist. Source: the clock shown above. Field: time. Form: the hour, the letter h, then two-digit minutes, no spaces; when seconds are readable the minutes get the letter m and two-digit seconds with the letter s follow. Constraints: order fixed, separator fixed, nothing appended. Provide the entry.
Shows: 12h31m48s
